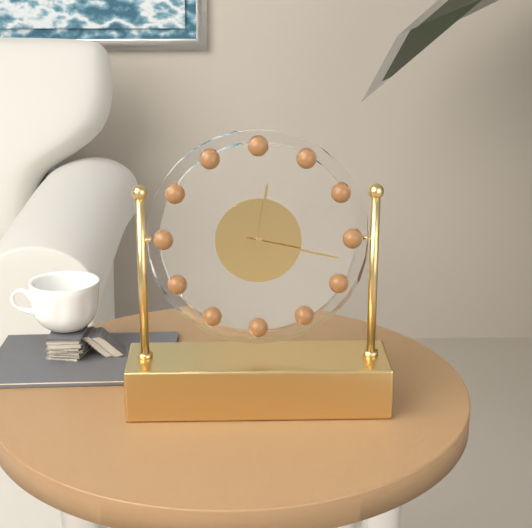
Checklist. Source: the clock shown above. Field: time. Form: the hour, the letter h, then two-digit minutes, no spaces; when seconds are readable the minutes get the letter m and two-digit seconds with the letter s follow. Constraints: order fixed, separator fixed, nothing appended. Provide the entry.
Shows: 12h17
